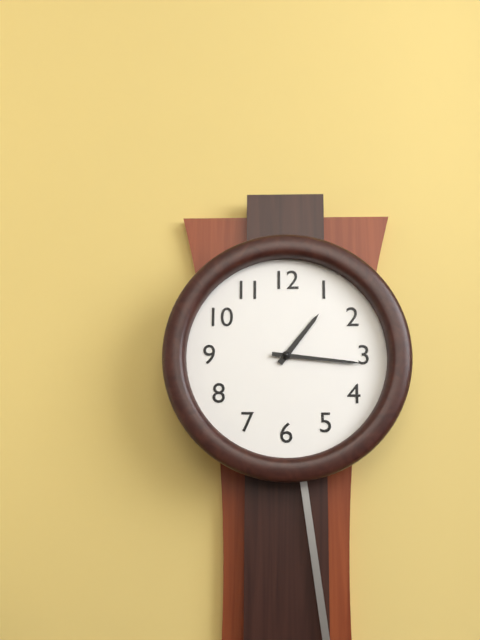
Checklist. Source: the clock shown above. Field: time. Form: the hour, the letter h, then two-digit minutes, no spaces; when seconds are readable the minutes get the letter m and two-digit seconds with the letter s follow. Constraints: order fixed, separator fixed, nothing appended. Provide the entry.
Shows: 1h16
